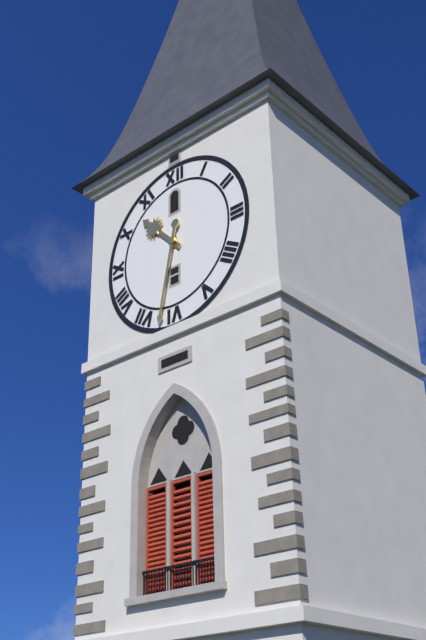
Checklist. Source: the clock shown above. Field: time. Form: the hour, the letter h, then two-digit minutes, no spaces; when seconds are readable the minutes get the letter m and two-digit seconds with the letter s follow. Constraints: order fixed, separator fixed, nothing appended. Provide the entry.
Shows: 10h32
